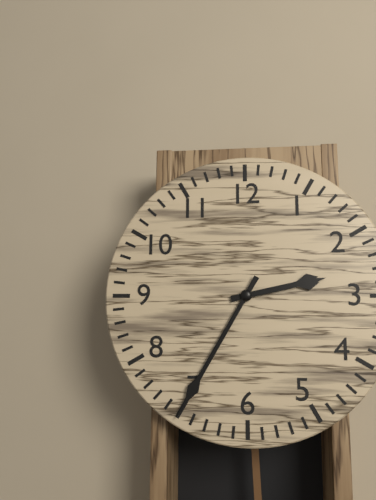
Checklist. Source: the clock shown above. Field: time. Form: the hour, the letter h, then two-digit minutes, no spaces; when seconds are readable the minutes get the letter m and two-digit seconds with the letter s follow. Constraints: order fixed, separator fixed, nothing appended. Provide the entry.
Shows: 2h35
